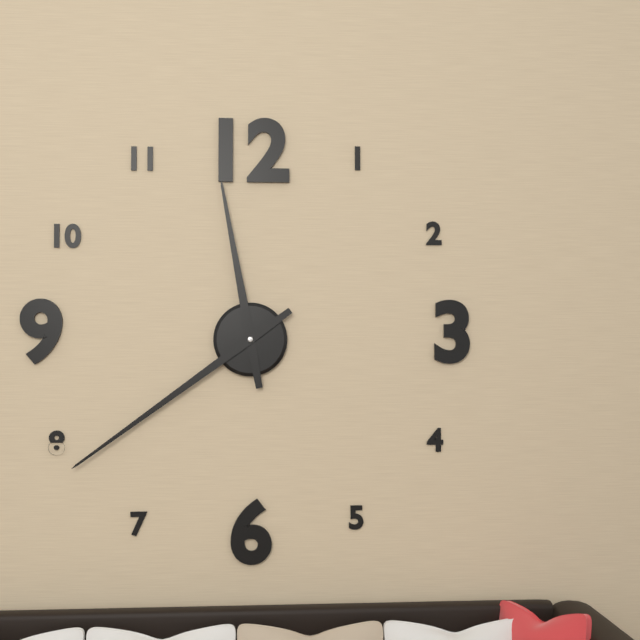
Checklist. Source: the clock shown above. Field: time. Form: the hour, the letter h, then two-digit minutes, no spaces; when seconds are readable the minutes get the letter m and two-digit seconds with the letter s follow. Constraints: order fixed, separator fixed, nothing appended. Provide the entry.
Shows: 11h39
